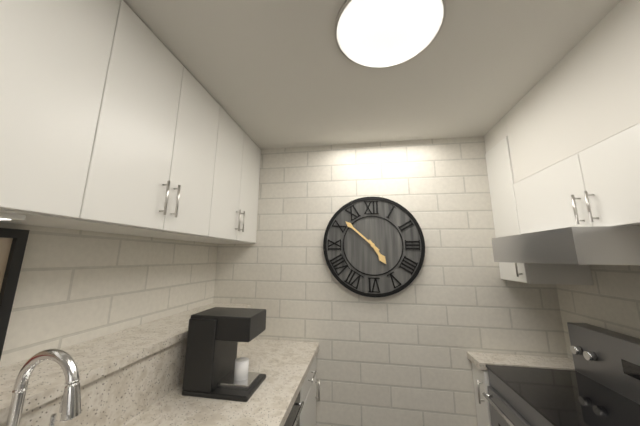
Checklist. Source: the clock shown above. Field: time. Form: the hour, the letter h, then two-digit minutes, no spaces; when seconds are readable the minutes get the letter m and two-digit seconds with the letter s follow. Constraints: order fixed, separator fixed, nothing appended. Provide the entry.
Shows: 4h52
